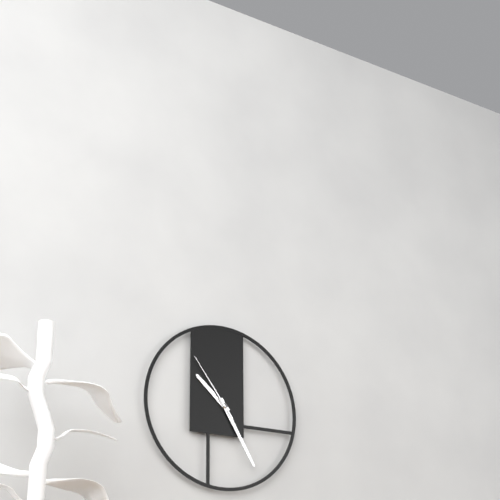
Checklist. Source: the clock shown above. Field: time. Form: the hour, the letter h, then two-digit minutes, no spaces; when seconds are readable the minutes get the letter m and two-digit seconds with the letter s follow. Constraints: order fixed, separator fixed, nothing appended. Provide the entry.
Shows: 10h25m54s
